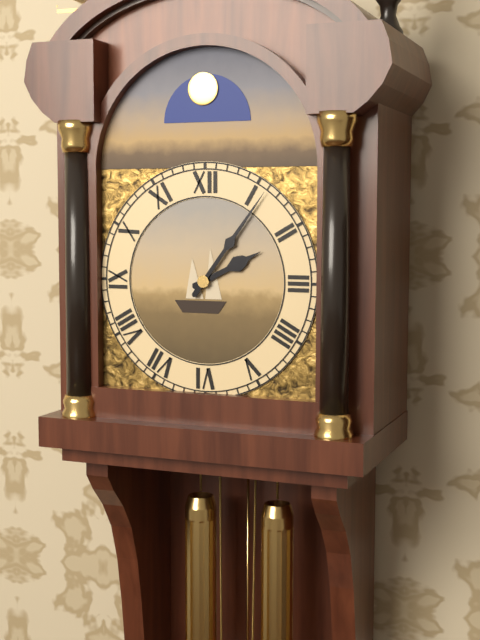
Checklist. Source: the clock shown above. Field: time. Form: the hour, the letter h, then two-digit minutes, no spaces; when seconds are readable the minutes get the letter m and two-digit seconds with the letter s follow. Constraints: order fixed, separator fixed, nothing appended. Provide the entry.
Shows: 2h06
